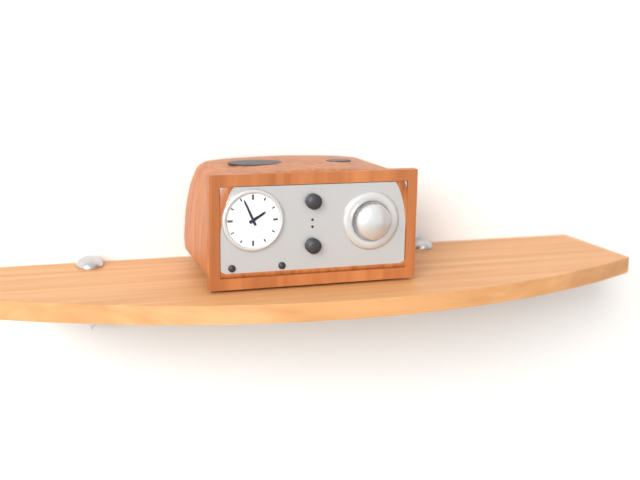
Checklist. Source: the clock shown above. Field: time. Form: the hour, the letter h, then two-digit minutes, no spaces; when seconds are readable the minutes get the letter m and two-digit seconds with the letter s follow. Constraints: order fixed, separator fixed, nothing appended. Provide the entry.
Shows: 1h56
